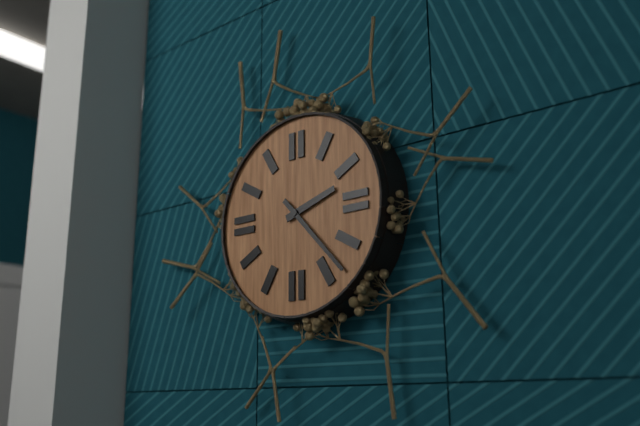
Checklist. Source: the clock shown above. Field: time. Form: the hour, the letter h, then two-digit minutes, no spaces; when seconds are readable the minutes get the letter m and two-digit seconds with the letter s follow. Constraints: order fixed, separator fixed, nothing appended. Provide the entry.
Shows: 2h23
